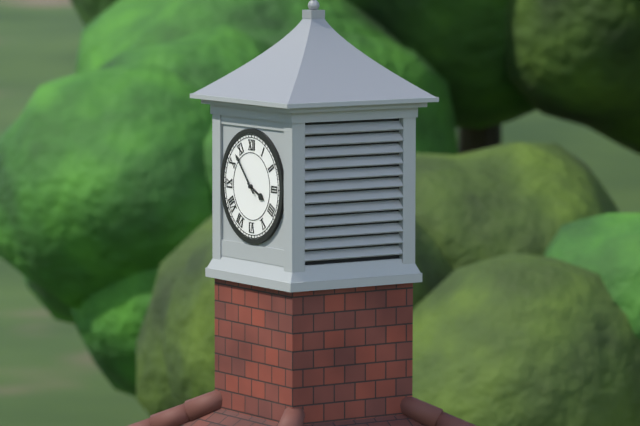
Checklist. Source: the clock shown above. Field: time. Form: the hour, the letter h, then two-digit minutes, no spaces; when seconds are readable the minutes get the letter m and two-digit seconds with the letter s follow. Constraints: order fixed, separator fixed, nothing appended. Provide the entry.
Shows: 3h53
